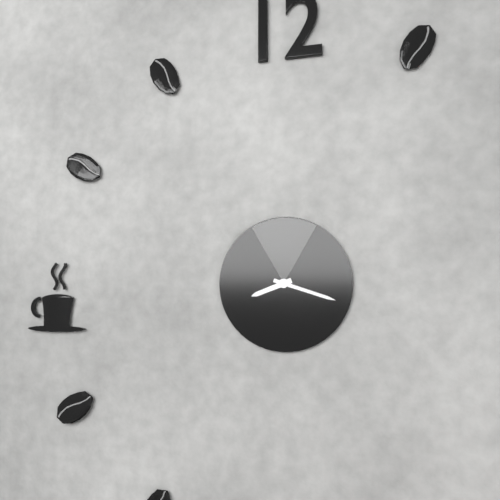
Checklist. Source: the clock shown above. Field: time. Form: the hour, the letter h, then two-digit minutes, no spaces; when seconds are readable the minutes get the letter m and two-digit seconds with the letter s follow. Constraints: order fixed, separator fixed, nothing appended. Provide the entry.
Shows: 8h18
